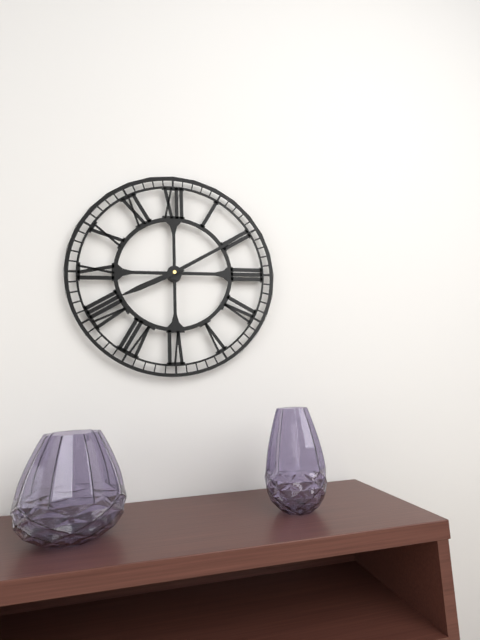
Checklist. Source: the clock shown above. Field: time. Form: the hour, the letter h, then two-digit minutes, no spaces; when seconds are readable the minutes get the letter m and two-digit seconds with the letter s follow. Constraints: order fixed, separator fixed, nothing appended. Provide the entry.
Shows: 8h10
